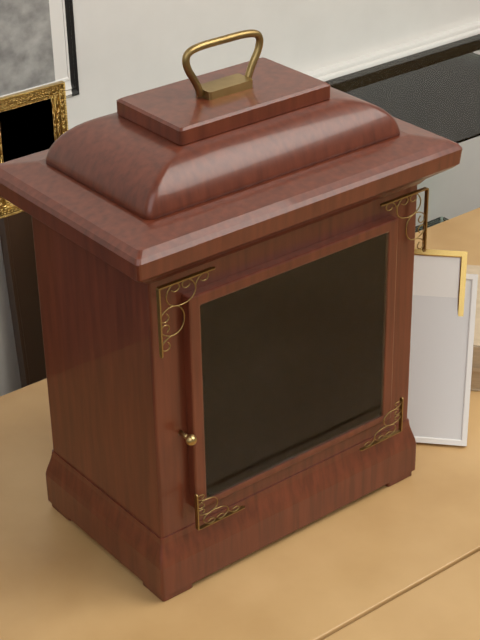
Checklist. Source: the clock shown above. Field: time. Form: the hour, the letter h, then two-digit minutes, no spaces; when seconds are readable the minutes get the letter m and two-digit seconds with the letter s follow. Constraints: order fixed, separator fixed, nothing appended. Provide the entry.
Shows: 4h04
